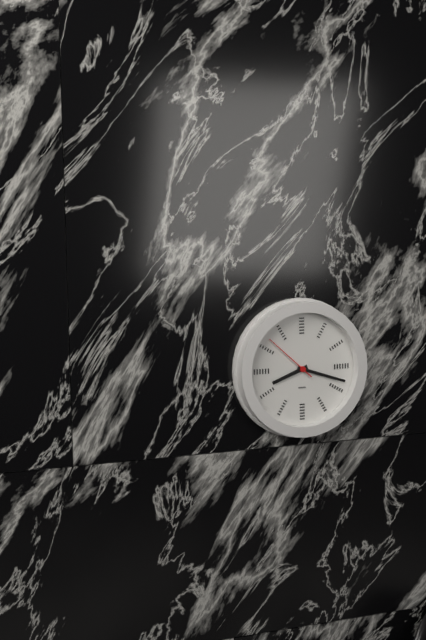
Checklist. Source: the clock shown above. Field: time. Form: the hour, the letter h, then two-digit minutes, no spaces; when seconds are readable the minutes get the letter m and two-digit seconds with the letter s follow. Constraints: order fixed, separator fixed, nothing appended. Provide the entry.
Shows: 8h18m52s
